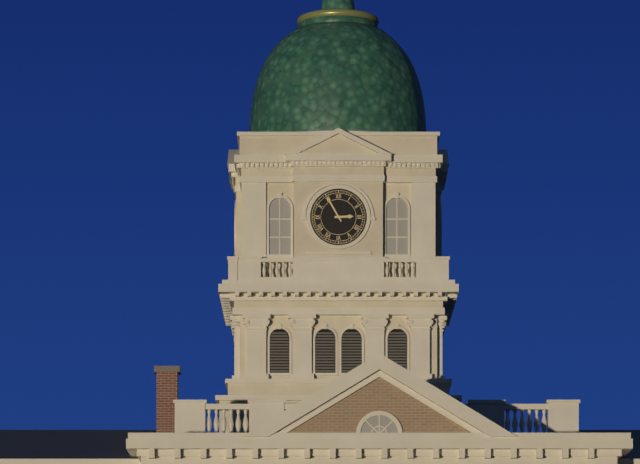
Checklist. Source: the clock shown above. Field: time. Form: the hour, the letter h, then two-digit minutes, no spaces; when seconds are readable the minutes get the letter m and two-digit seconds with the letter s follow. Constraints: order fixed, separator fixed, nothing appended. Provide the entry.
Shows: 2h55
